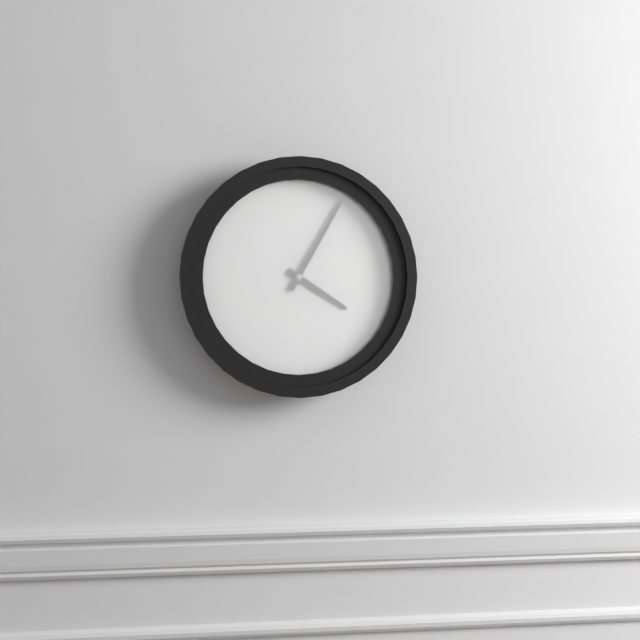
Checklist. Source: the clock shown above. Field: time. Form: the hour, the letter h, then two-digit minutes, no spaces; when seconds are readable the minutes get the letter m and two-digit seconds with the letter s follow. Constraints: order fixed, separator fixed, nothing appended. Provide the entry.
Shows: 4h05
